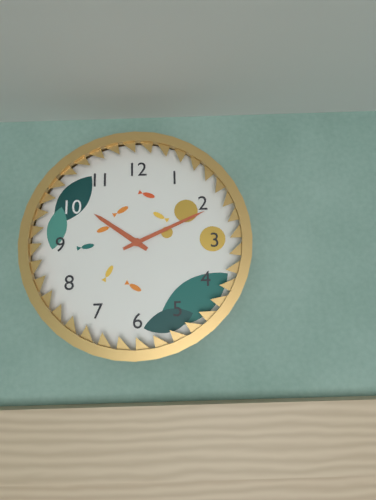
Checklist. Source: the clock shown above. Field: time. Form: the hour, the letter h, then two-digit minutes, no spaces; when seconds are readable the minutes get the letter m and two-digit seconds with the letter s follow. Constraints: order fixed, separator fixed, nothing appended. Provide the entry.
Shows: 10h11
